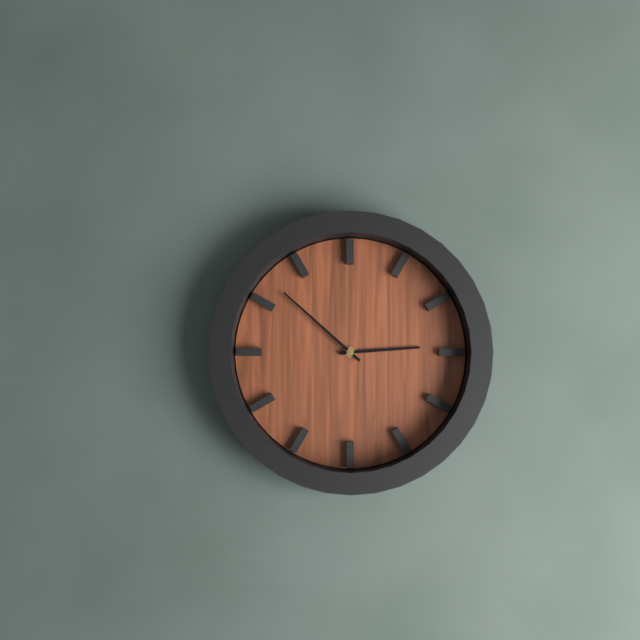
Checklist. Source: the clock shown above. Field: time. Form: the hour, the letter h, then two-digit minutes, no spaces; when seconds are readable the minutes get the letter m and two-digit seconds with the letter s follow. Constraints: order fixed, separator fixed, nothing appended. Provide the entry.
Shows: 2h52
